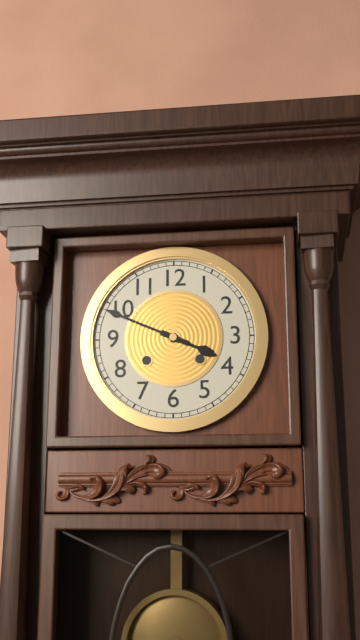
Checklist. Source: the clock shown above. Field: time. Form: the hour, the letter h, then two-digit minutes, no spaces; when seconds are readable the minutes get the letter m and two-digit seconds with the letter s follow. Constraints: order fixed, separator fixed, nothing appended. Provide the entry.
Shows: 3h49
